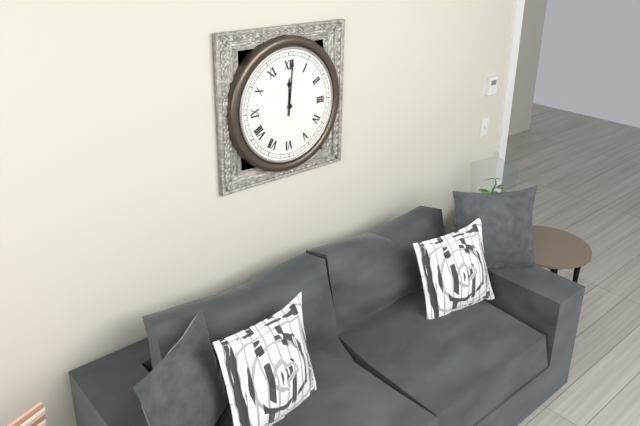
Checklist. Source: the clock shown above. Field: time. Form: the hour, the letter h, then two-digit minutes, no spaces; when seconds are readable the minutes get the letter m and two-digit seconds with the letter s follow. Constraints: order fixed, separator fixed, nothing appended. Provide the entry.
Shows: 12h01
